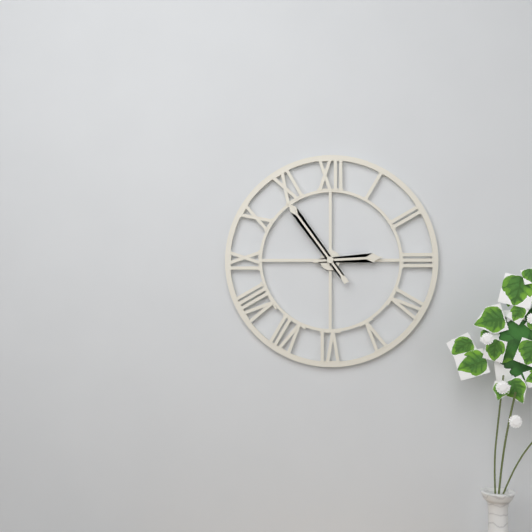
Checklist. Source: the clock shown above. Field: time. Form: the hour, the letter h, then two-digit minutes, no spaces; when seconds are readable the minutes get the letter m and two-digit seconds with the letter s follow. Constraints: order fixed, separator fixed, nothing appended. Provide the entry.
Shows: 2h54
